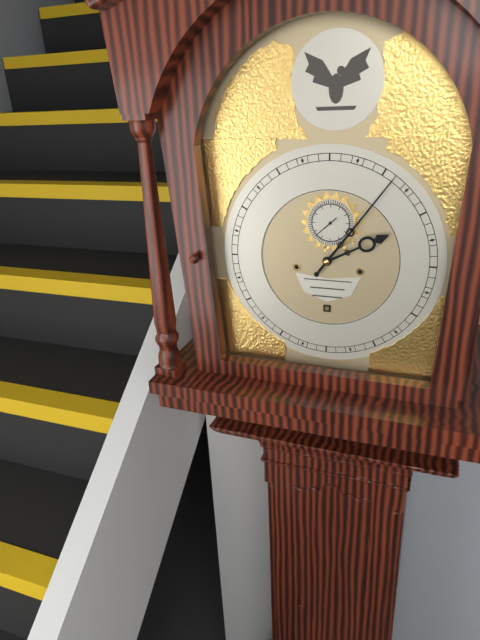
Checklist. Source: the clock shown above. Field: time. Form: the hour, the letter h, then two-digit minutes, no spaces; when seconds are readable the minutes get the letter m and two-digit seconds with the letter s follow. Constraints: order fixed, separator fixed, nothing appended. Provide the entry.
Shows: 2h06
